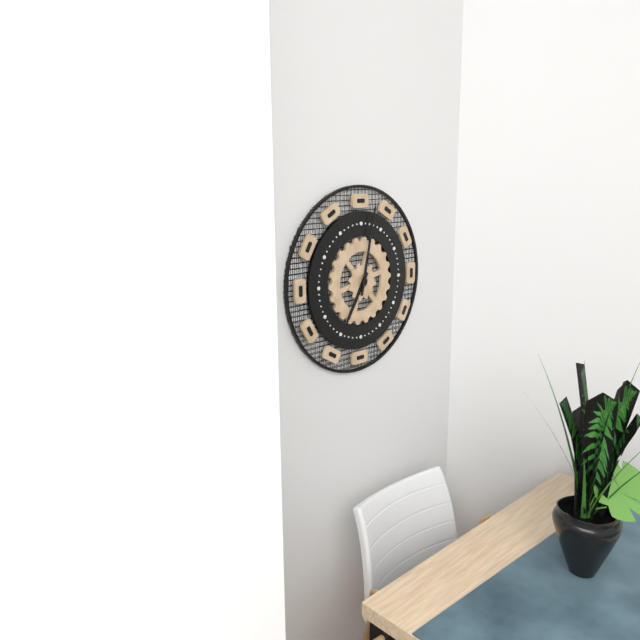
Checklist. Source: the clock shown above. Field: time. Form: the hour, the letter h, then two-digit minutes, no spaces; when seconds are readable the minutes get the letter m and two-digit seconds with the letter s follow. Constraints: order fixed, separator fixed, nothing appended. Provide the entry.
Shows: 7h02
